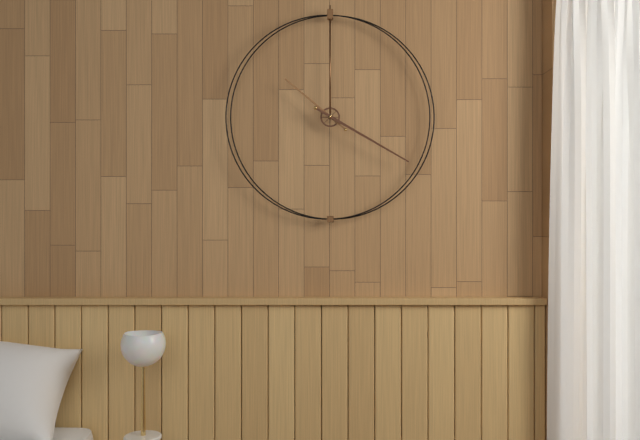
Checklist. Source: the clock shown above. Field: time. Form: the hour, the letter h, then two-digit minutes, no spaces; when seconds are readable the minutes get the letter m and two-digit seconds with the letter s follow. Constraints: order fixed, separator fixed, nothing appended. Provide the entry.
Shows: 10h20
